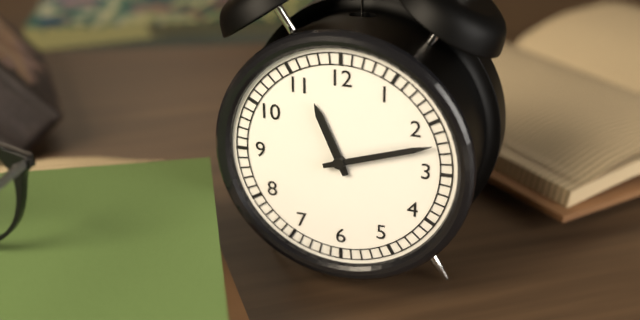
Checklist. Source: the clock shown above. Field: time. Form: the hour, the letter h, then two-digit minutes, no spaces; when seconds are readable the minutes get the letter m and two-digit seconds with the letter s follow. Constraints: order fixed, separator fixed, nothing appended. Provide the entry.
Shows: 11h12
